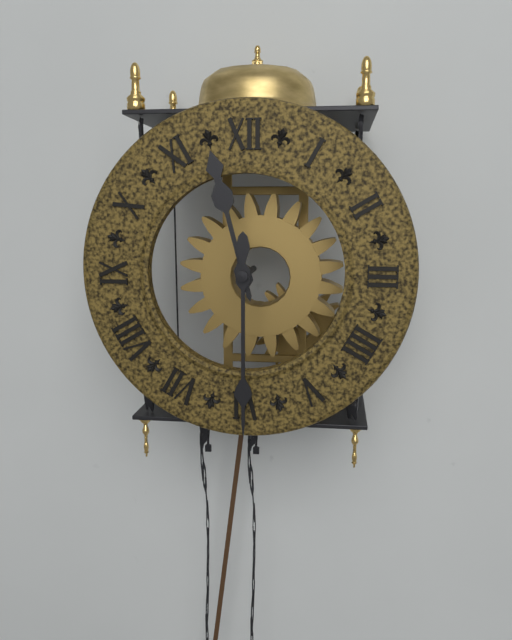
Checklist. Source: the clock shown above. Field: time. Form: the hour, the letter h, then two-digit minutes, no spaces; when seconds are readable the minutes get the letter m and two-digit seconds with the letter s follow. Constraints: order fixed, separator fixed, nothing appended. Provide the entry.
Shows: 11h30
